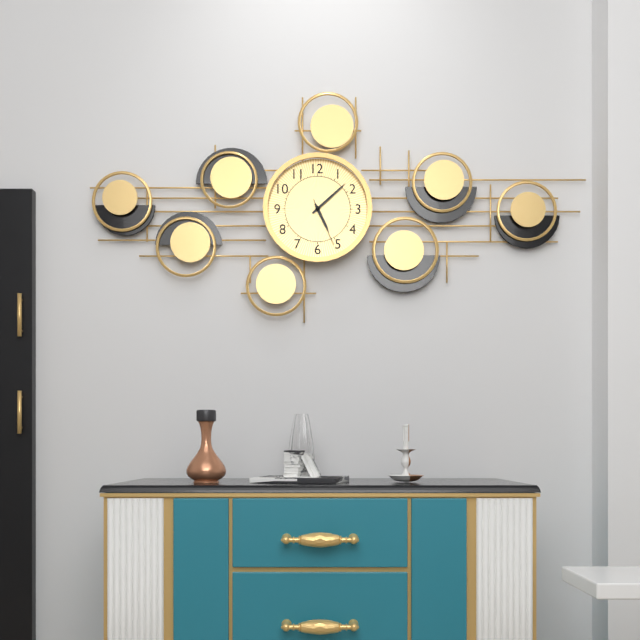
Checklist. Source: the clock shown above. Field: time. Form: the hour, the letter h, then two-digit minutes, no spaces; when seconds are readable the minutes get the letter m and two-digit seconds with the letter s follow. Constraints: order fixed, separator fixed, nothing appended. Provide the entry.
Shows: 5h08
